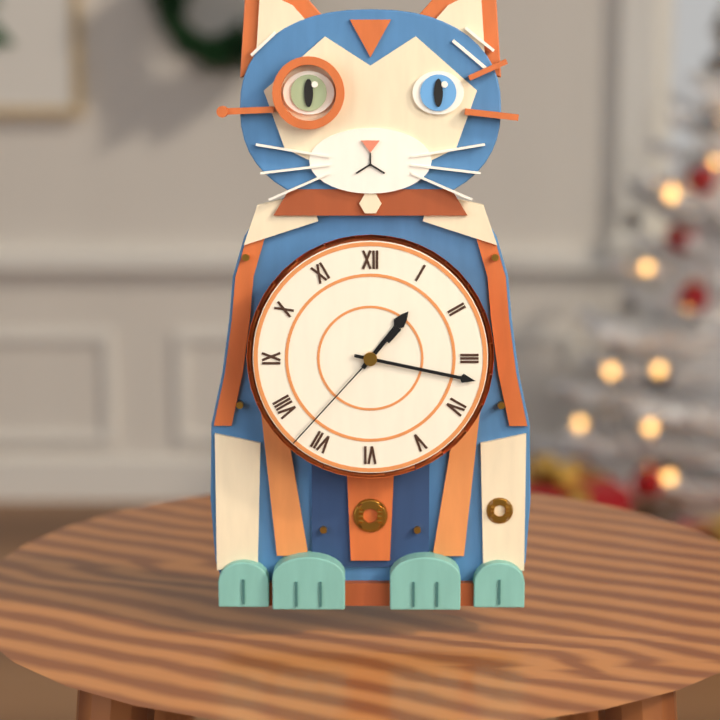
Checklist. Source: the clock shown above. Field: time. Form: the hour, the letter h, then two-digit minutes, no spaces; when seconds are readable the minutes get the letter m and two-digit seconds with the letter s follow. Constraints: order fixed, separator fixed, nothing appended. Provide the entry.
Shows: 1h17m37s
